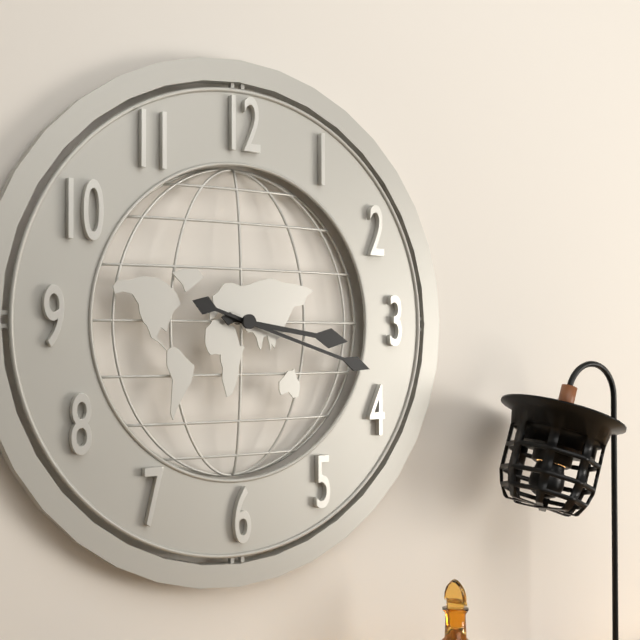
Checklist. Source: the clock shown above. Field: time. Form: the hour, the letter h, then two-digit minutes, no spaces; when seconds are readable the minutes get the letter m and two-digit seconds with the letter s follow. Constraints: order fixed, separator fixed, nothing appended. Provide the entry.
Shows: 3h18
